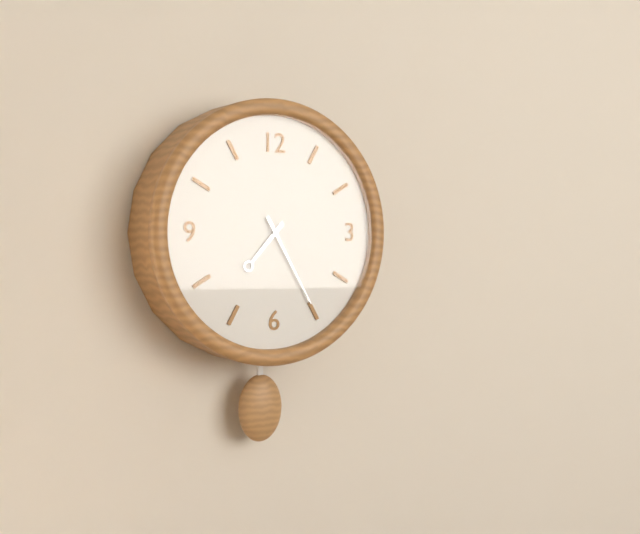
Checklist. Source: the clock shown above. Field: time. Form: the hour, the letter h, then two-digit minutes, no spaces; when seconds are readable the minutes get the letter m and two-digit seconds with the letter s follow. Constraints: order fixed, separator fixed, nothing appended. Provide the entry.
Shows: 7h25
